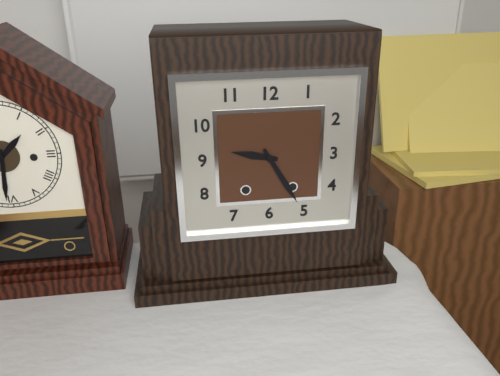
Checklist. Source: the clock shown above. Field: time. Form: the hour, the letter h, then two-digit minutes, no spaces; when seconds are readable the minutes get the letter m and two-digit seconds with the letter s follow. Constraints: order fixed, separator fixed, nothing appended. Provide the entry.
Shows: 9h25
